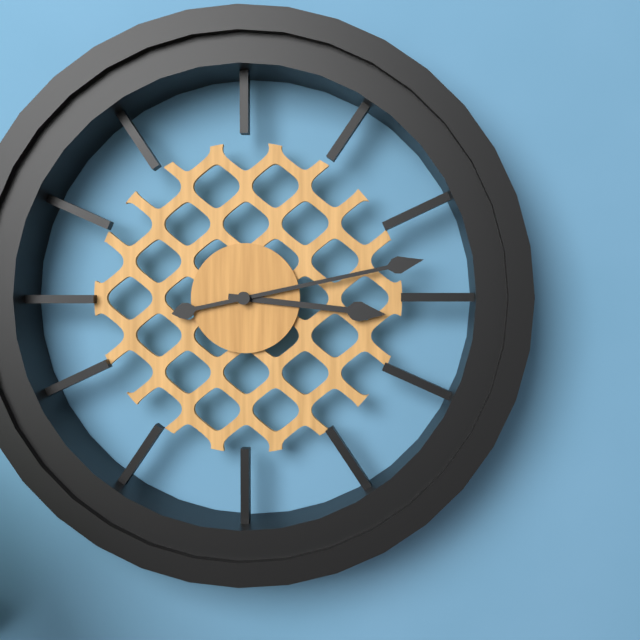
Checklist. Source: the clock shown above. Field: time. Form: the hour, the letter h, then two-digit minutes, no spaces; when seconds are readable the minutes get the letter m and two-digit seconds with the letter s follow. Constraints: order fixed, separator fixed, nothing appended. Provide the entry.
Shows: 3h13
